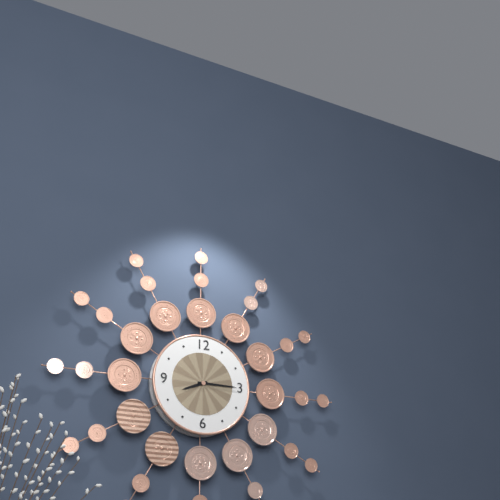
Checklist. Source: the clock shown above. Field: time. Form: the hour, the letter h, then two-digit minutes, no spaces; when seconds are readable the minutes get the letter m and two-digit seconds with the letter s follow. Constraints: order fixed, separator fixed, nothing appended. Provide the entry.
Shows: 8h15
